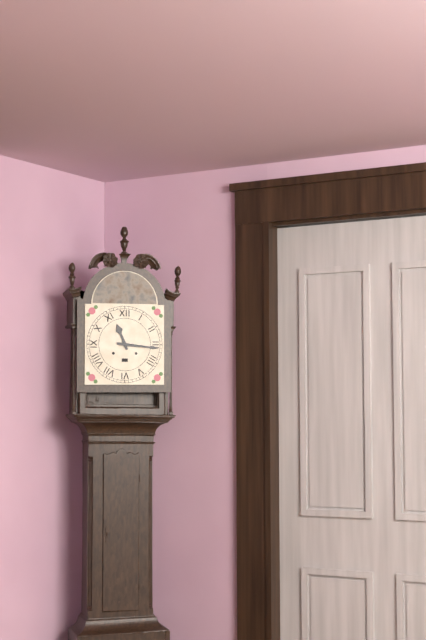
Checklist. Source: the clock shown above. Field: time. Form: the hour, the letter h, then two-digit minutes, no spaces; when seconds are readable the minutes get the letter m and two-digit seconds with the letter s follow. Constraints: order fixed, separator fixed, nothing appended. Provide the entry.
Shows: 11h16
